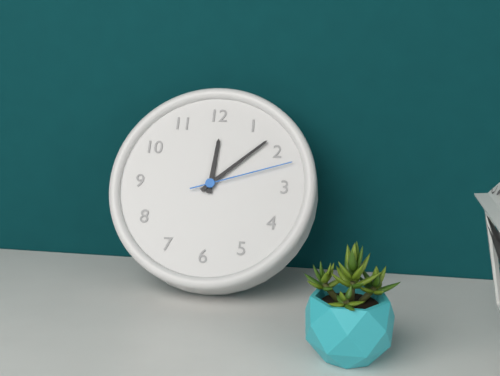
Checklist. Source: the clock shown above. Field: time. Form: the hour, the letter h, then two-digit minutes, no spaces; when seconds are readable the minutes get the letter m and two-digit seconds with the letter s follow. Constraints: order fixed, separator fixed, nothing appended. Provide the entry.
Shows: 12h08m12s
